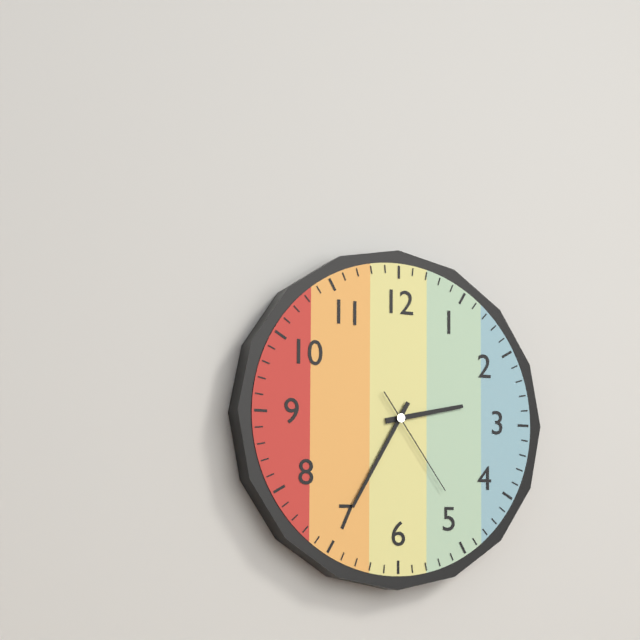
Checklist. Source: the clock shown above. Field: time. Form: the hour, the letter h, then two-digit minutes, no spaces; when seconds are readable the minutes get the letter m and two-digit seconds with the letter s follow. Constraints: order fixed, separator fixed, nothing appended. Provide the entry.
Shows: 2h35m24s
